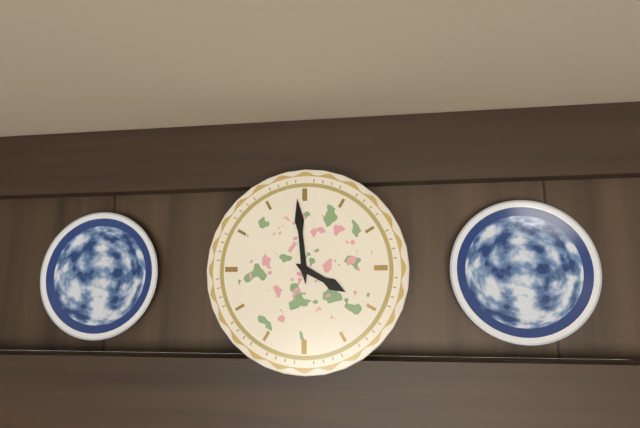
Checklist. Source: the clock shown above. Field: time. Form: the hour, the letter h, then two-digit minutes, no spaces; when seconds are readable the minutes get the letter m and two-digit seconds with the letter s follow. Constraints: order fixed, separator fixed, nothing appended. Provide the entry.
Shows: 3h59
